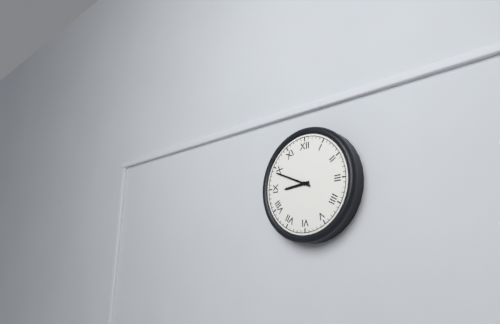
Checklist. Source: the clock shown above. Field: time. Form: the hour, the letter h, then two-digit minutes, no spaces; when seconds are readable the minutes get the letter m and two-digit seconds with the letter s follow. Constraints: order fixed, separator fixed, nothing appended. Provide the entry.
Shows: 8h49
